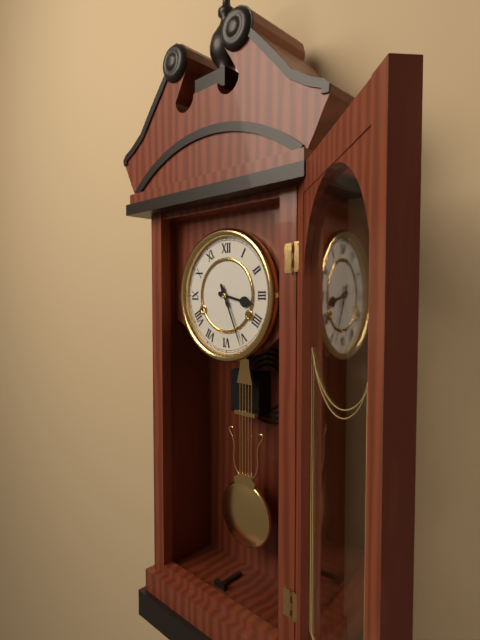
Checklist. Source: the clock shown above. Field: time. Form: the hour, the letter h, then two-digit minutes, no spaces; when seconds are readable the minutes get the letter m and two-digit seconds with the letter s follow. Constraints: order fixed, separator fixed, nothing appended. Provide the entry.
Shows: 3h26
